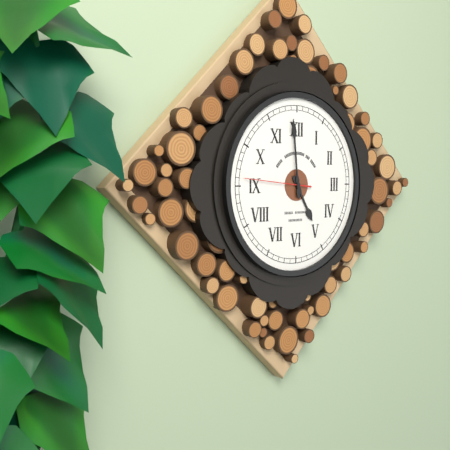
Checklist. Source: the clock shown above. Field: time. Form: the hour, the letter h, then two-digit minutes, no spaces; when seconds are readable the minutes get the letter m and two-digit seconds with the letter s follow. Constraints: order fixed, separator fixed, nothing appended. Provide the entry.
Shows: 4h59
